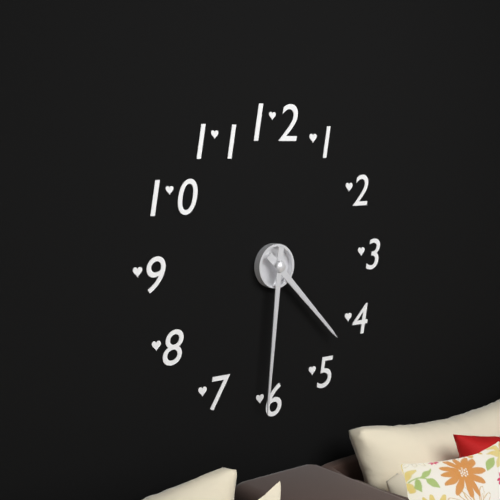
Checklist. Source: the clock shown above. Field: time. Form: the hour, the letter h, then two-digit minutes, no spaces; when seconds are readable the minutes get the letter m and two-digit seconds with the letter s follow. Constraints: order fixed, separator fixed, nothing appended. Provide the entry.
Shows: 4h31
